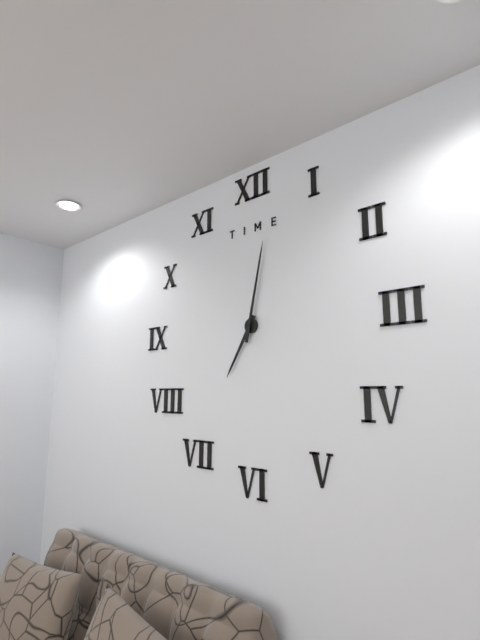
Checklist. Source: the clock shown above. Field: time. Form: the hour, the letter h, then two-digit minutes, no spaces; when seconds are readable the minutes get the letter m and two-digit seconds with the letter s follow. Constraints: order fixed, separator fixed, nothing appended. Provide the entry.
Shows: 7h02
